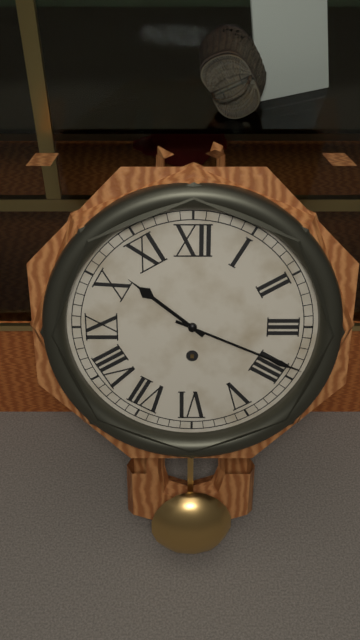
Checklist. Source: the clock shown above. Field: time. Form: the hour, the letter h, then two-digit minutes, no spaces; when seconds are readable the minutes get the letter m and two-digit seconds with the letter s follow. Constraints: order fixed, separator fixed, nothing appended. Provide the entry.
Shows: 10h19
